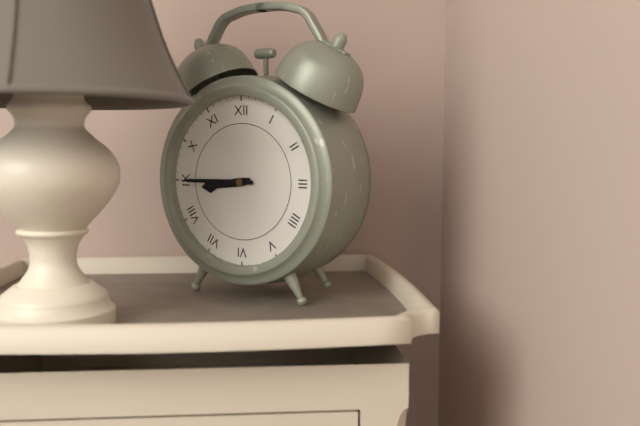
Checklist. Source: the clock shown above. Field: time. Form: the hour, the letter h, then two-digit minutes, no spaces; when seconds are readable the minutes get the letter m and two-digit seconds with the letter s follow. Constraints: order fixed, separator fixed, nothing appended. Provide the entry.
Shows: 8h45
